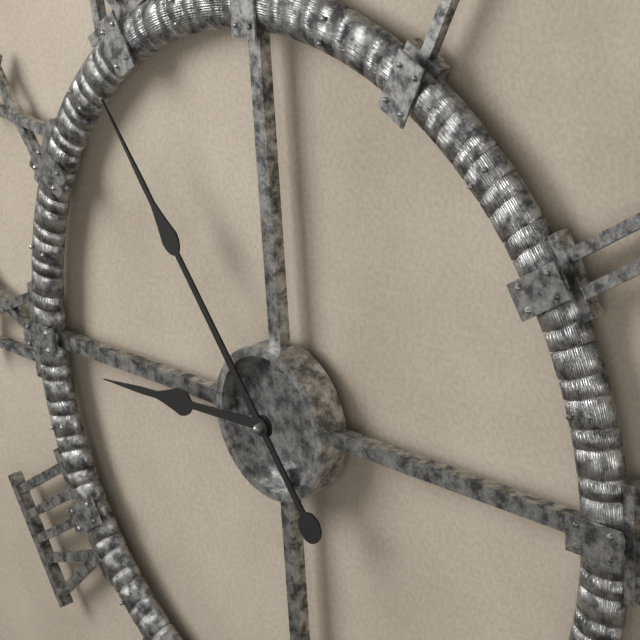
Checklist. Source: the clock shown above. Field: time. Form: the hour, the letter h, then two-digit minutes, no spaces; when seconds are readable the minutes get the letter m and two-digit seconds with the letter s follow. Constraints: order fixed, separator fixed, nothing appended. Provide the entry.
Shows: 8h54
